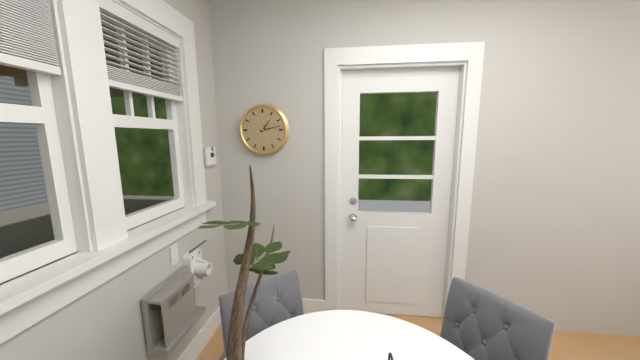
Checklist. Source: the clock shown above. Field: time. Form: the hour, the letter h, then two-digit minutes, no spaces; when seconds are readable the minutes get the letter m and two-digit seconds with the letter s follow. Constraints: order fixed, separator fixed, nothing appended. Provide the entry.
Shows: 1h13
